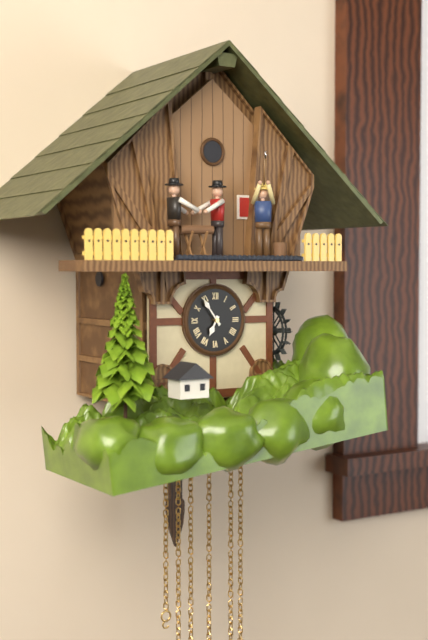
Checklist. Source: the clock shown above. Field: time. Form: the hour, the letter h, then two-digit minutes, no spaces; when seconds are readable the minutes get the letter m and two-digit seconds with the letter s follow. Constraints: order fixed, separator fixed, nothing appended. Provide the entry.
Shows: 6h54
